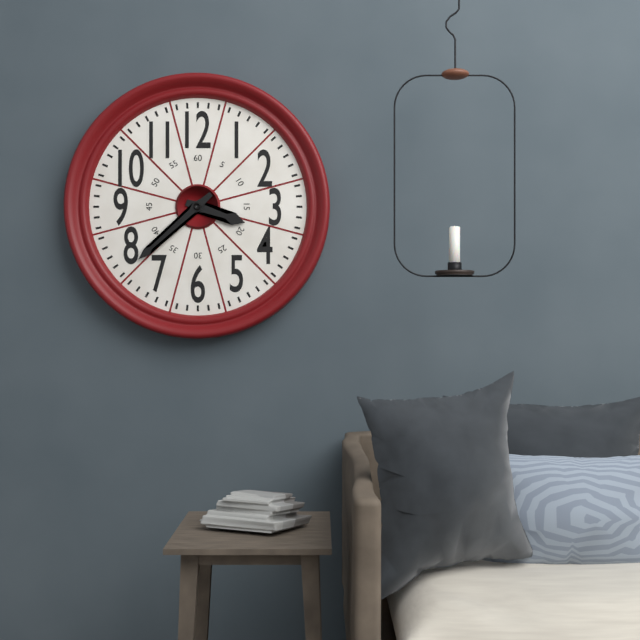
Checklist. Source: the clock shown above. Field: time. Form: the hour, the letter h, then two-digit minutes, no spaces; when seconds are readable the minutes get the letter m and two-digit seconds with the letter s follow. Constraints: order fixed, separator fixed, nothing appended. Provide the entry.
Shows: 3h38
